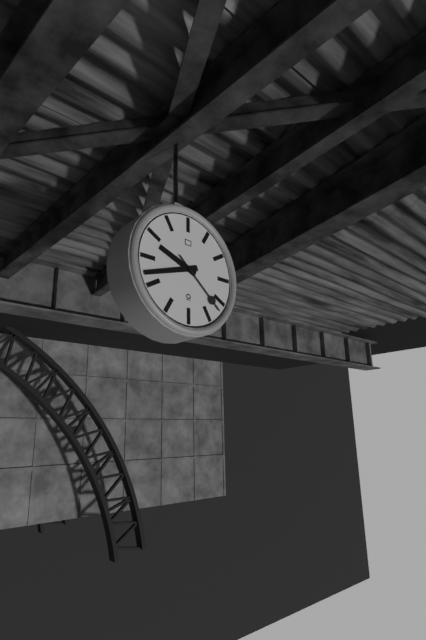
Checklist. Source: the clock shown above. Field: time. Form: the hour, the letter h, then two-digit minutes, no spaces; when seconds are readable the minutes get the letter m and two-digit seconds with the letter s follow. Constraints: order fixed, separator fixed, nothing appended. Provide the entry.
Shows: 9h42m22s
